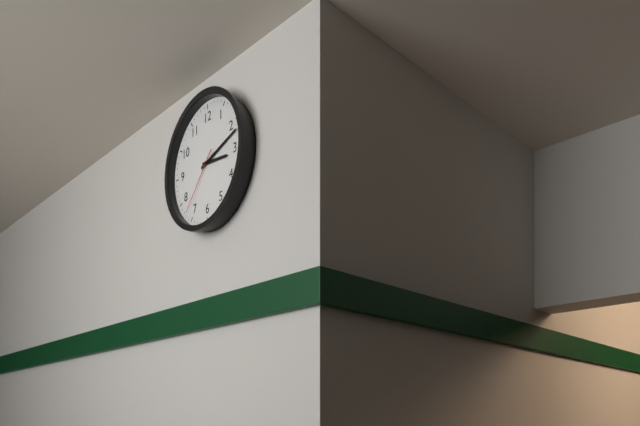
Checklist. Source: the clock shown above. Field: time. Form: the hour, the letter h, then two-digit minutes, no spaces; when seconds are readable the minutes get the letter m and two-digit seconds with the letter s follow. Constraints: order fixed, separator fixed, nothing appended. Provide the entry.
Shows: 3h12m37s
